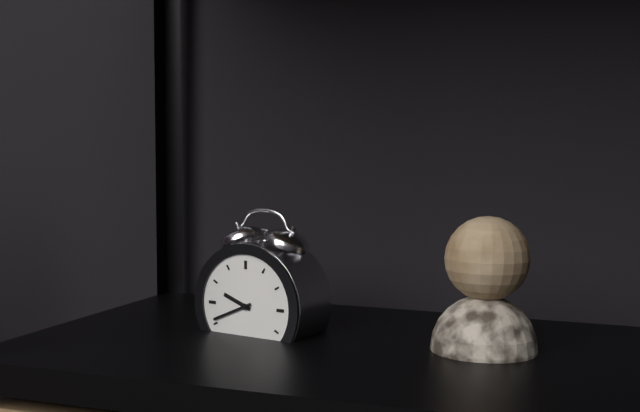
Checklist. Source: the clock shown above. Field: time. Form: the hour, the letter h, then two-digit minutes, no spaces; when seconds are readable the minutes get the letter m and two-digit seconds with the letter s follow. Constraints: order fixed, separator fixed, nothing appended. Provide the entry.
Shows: 9h41
